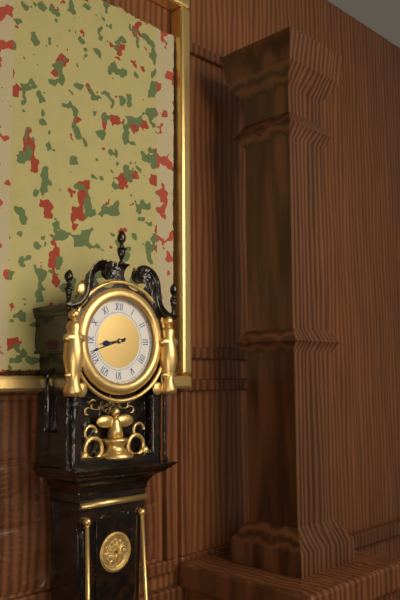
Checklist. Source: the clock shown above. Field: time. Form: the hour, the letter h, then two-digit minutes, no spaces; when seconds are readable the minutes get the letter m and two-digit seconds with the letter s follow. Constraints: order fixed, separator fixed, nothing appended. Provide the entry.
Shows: 8h42
